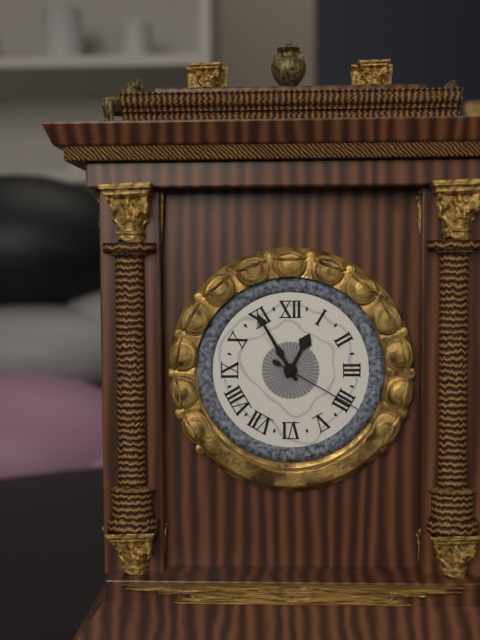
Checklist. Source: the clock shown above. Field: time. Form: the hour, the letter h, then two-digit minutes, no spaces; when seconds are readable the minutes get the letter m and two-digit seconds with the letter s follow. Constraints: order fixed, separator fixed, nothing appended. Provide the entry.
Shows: 12h55m20s
